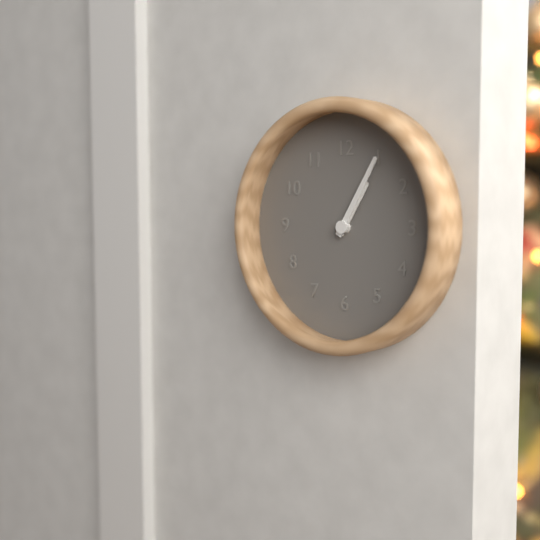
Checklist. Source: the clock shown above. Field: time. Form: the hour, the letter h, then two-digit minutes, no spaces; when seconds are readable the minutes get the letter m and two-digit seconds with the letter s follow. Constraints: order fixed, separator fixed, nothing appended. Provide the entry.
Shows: 1h05
